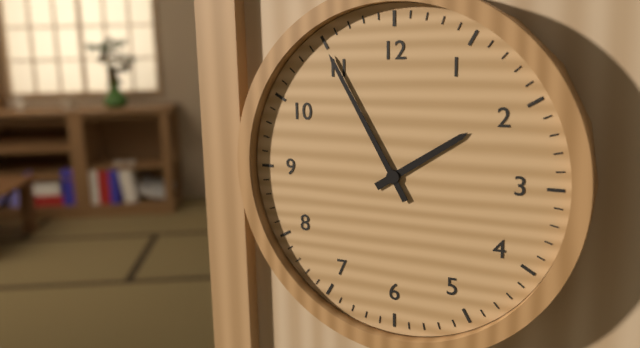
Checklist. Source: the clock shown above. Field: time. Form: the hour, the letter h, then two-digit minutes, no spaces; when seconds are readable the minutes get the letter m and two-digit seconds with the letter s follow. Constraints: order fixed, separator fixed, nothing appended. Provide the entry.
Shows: 1h55
